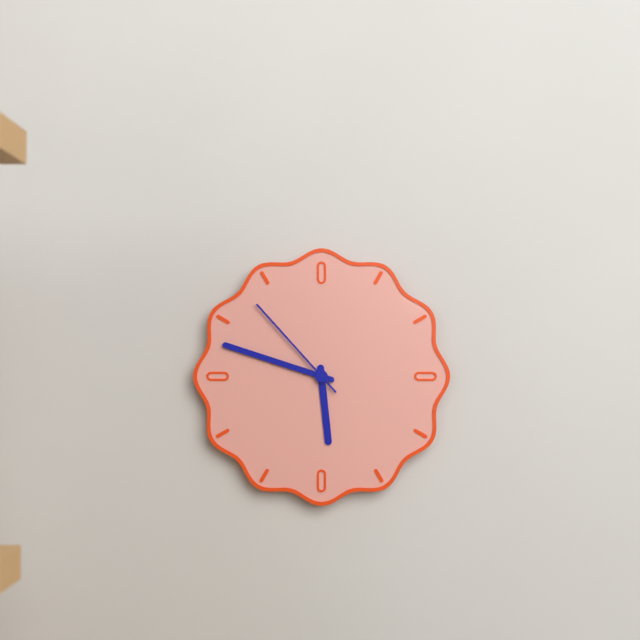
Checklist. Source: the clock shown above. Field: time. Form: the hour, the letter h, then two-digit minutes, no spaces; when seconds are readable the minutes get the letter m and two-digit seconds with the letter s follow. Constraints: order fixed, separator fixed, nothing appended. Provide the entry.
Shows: 5h48m53s
